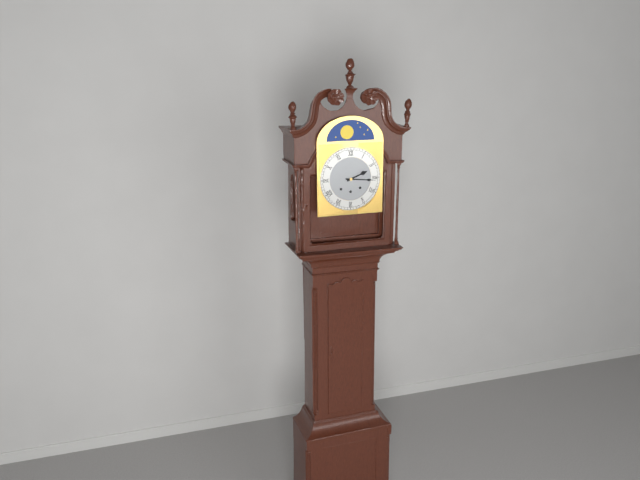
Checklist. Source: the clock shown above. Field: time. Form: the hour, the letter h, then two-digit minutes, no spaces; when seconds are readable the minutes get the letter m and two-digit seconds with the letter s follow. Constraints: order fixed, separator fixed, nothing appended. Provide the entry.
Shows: 2h16
